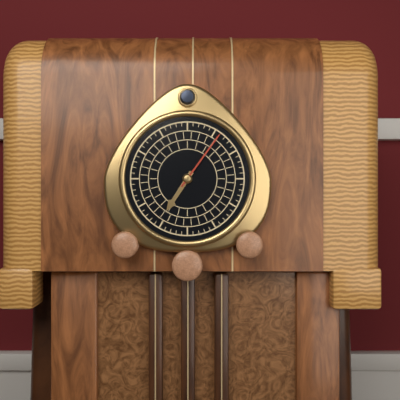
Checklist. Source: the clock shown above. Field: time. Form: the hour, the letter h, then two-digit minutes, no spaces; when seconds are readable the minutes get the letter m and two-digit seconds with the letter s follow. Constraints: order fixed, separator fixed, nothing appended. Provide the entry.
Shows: 7h06
